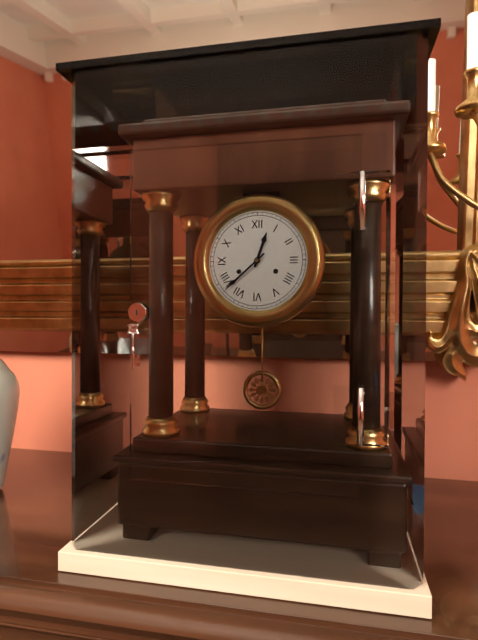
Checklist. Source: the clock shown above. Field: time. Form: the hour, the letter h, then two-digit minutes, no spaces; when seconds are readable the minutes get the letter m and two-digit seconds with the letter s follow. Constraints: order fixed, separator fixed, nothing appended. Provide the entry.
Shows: 12h38
